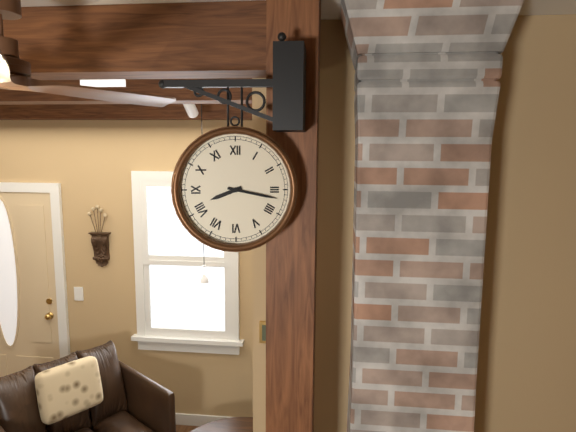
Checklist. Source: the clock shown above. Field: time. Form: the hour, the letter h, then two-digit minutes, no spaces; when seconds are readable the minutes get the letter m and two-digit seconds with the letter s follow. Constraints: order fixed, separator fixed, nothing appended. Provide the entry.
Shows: 8h17
